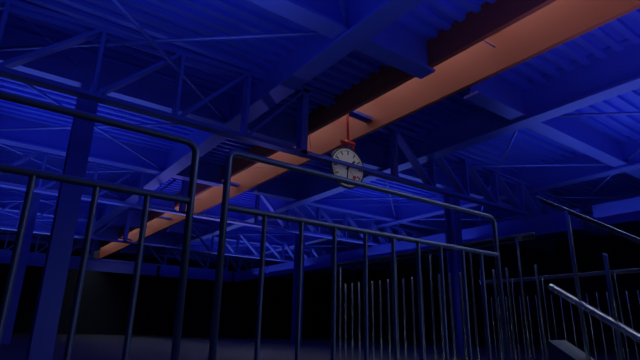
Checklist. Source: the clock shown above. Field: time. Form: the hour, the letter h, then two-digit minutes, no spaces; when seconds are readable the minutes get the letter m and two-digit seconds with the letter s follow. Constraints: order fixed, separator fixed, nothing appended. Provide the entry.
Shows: 1h31
